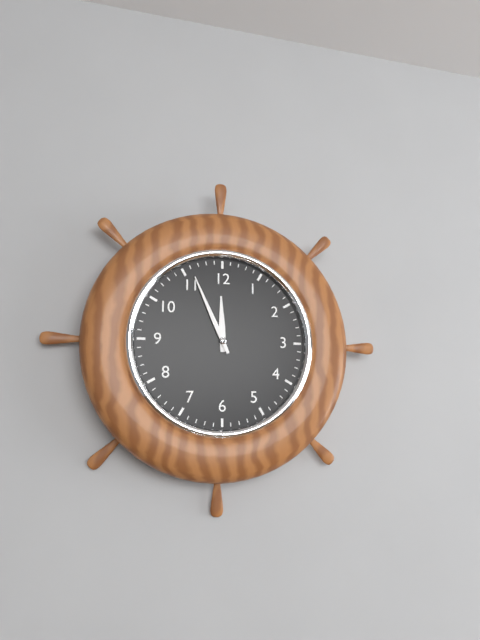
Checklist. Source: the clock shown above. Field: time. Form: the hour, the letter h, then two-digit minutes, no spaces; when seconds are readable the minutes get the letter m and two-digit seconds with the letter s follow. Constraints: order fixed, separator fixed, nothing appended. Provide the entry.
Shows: 11h56
